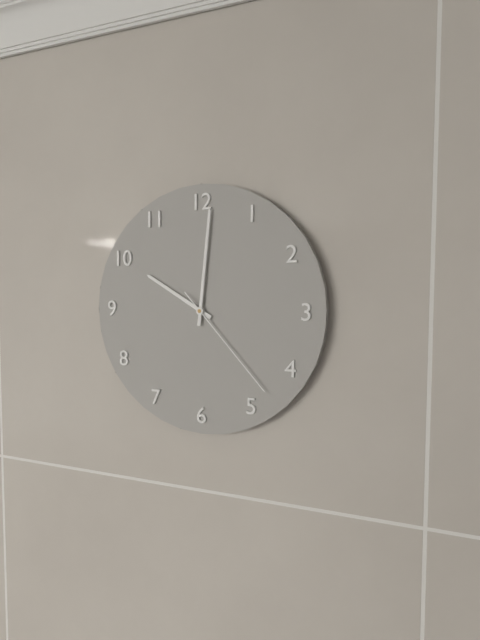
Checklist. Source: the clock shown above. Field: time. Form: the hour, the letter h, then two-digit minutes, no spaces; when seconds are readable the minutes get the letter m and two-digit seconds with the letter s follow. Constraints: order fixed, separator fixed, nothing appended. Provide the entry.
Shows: 10h01m23s
